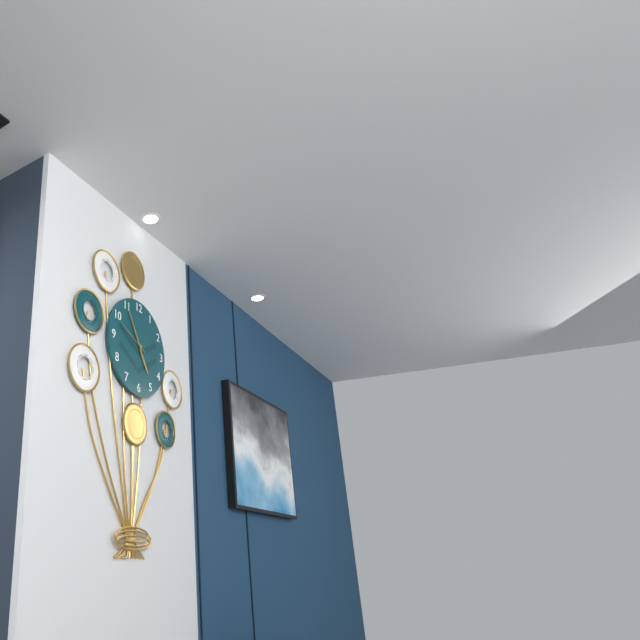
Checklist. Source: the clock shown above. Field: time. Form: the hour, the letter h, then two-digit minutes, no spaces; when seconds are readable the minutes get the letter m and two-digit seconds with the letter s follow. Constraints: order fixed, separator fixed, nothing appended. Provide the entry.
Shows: 4h55
